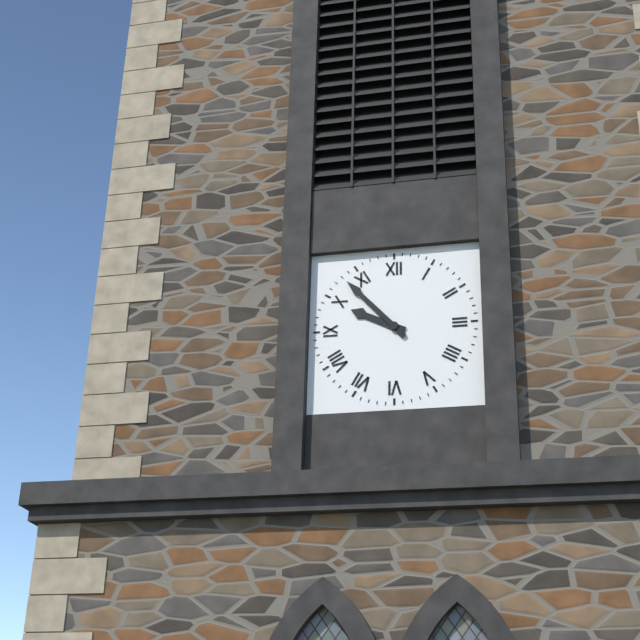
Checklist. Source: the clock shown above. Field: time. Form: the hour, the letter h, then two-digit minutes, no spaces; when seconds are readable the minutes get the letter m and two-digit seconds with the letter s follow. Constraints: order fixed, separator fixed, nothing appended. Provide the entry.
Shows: 9h53
